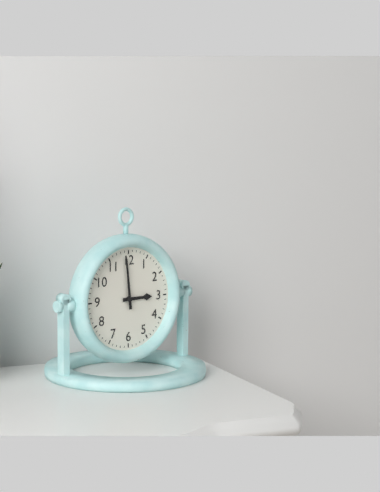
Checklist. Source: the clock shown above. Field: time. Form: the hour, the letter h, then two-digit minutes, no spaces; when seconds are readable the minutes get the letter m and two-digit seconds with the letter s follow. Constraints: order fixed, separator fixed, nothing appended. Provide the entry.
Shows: 2h59
